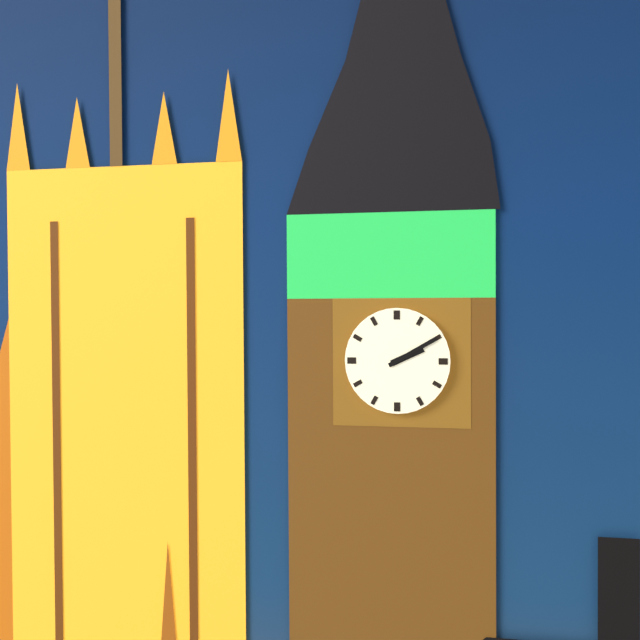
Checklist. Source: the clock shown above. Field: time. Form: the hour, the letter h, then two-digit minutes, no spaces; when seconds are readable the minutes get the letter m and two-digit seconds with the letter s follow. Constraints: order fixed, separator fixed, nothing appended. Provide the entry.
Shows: 2h10
